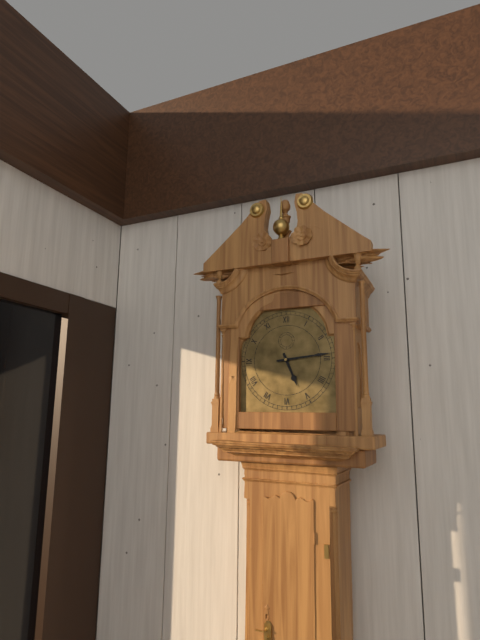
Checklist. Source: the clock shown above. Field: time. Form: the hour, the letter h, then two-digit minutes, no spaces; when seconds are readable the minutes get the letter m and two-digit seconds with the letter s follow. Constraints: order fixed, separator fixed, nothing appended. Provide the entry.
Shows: 5h14
